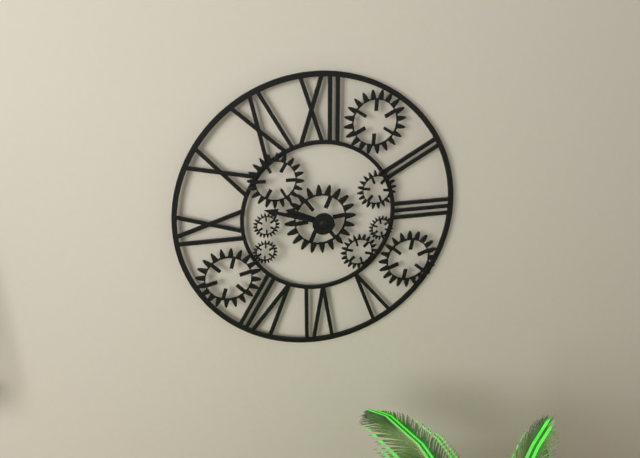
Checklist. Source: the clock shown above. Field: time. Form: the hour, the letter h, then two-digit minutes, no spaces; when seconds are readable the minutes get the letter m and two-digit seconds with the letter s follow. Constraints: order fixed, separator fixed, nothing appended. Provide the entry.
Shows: 9h48
